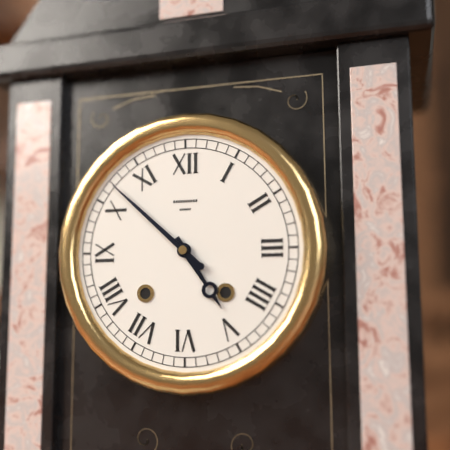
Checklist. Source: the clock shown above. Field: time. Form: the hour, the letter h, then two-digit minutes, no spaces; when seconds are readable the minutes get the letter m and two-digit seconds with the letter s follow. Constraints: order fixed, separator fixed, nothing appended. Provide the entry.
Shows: 4h52
